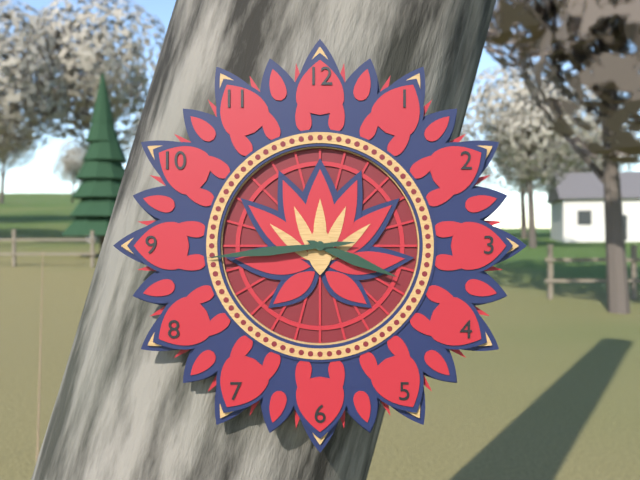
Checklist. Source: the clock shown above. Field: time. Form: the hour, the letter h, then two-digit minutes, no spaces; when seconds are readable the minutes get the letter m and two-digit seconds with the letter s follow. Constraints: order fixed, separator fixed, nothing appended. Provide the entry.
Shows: 3h44
